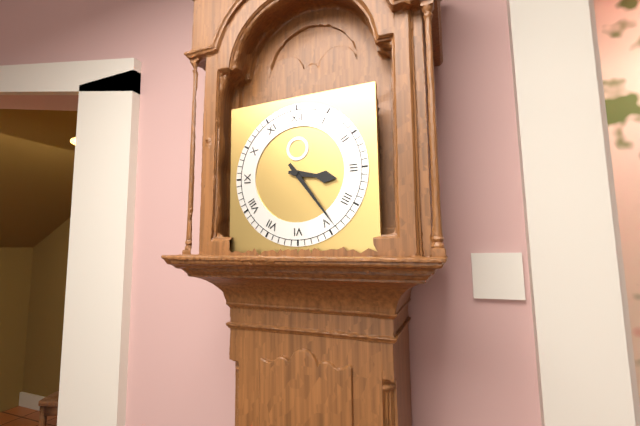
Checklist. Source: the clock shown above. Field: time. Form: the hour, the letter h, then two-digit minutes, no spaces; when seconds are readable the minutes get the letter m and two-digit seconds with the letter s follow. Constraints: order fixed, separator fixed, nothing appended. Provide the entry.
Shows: 3h24
